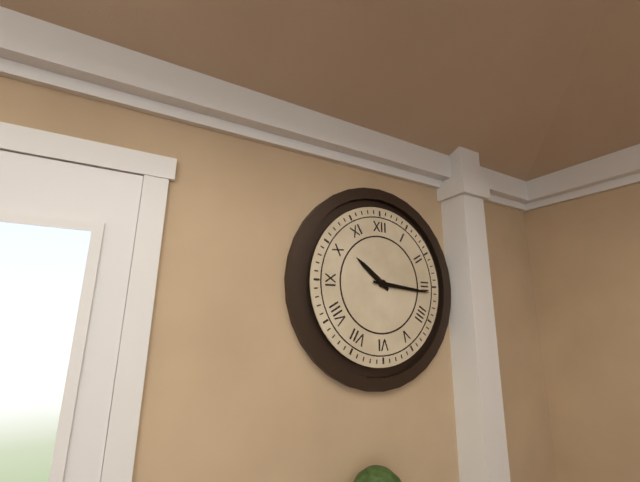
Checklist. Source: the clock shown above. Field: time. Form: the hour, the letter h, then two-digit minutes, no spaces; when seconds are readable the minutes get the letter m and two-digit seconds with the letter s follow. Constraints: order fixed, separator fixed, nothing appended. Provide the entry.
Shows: 10h16
